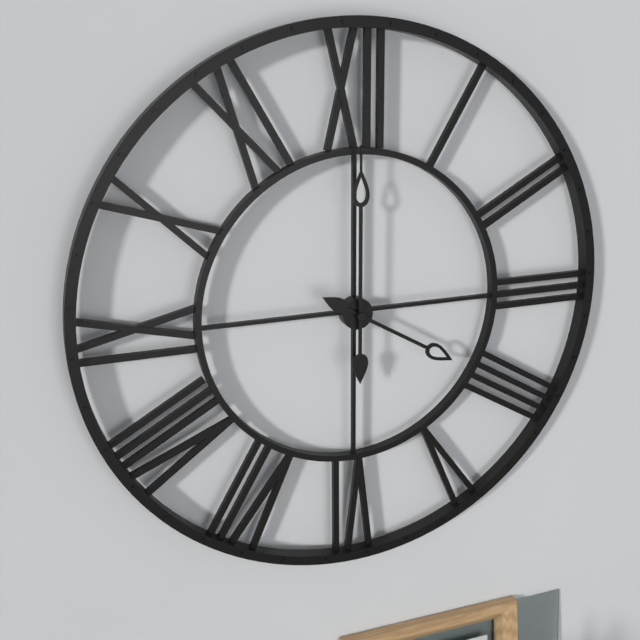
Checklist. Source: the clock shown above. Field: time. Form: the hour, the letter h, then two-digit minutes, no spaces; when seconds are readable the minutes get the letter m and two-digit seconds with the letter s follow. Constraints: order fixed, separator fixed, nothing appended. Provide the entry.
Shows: 4h00
